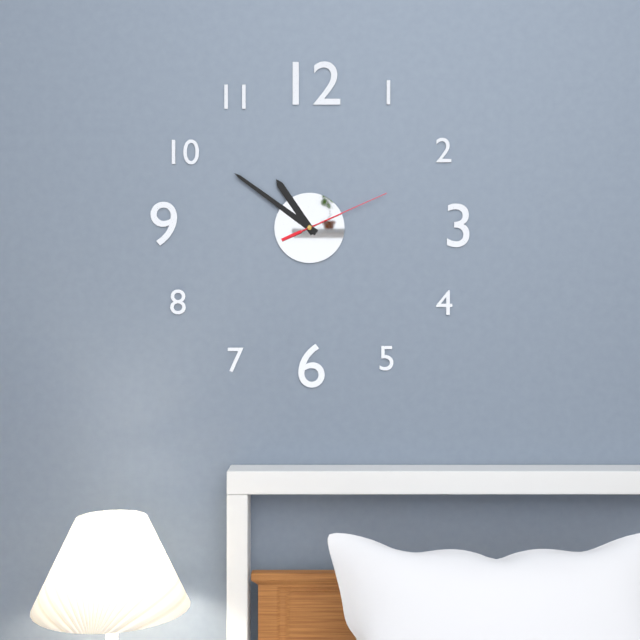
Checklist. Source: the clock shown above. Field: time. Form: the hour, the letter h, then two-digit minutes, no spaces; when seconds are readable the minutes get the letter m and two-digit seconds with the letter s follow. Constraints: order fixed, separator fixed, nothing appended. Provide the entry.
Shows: 10h51m11s
